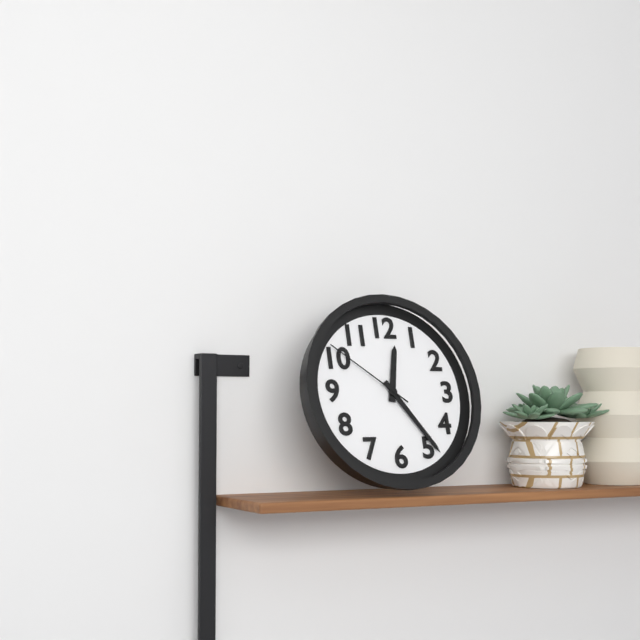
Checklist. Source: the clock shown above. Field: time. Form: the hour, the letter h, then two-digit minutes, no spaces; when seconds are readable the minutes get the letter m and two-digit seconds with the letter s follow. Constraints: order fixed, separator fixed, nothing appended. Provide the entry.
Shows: 12h24m51s
